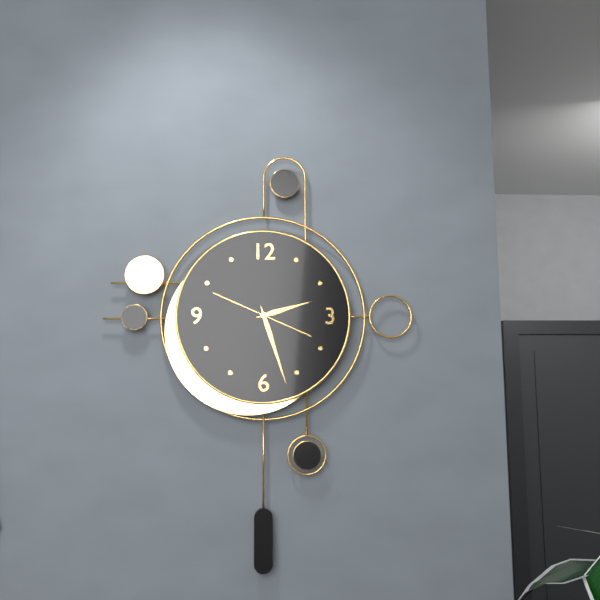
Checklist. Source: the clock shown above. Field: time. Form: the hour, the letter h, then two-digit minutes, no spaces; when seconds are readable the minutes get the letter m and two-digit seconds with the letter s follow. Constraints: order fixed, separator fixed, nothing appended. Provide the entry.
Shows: 2h27m49s
